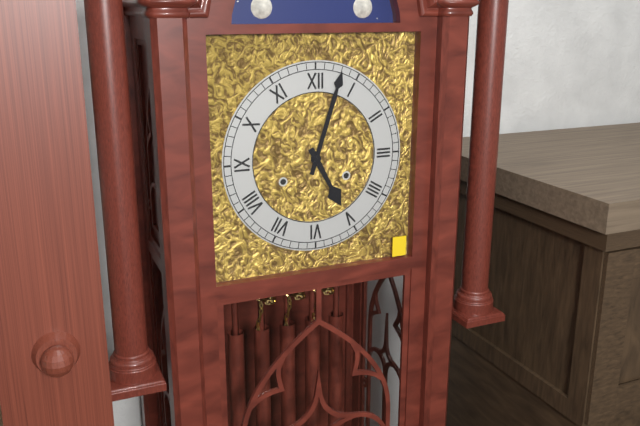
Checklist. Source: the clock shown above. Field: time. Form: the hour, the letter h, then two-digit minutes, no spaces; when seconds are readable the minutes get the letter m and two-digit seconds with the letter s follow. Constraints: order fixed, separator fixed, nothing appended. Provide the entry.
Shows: 5h03
